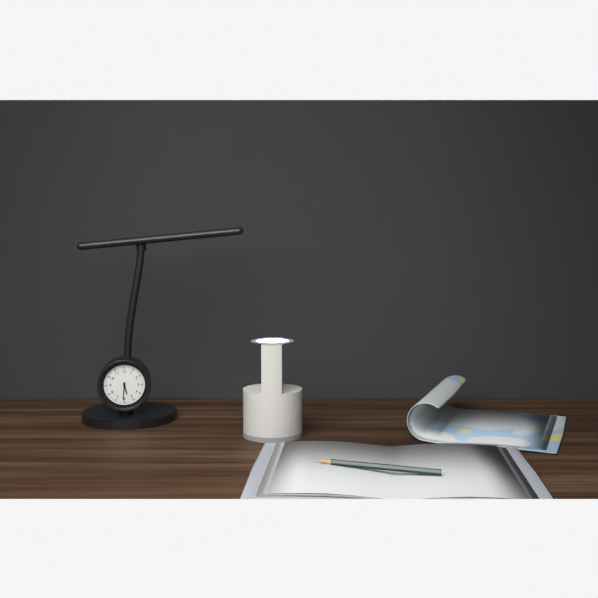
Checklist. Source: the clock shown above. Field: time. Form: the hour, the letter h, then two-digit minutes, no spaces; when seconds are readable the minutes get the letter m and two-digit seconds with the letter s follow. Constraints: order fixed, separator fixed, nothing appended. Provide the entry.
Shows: 5h31
